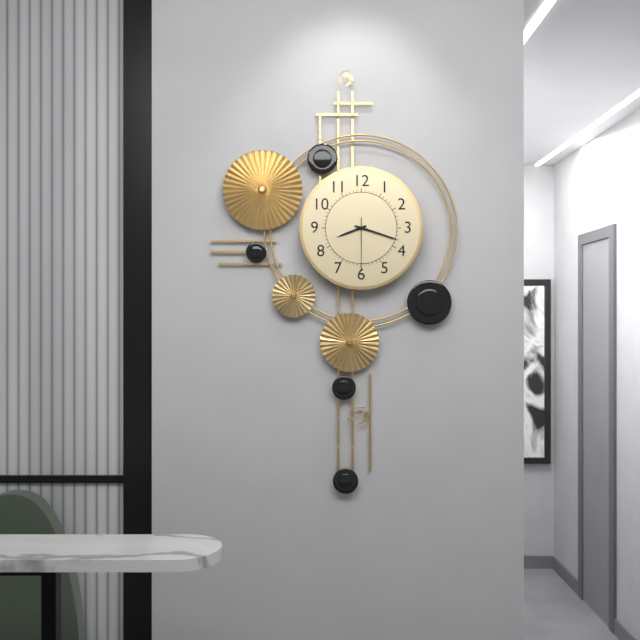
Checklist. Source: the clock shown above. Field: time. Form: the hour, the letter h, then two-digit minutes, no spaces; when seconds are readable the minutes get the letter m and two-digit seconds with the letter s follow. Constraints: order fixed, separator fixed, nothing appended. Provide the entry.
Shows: 8h18m30s
